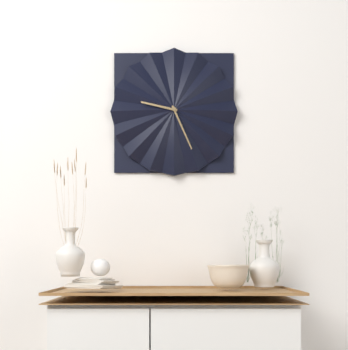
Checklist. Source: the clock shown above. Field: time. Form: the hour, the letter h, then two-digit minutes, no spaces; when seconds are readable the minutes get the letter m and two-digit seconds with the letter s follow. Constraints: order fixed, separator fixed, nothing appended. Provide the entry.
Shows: 9h26
